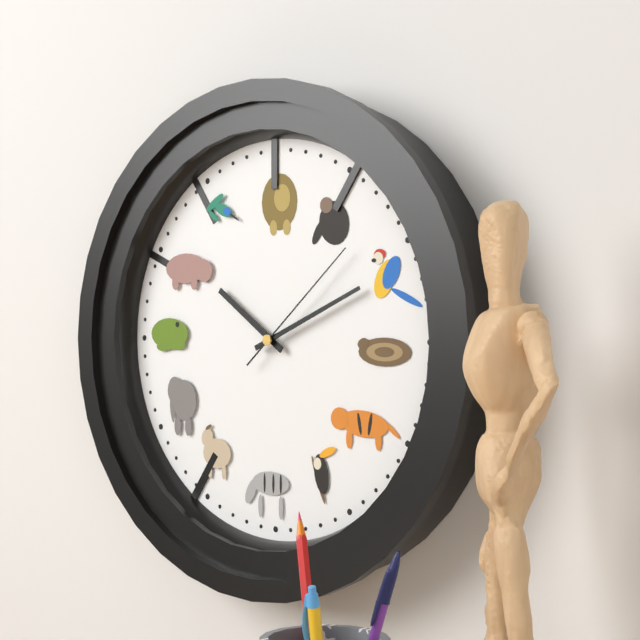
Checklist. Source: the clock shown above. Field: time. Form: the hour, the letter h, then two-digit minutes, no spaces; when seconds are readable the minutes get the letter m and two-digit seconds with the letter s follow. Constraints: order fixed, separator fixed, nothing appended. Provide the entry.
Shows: 10h11m08s
